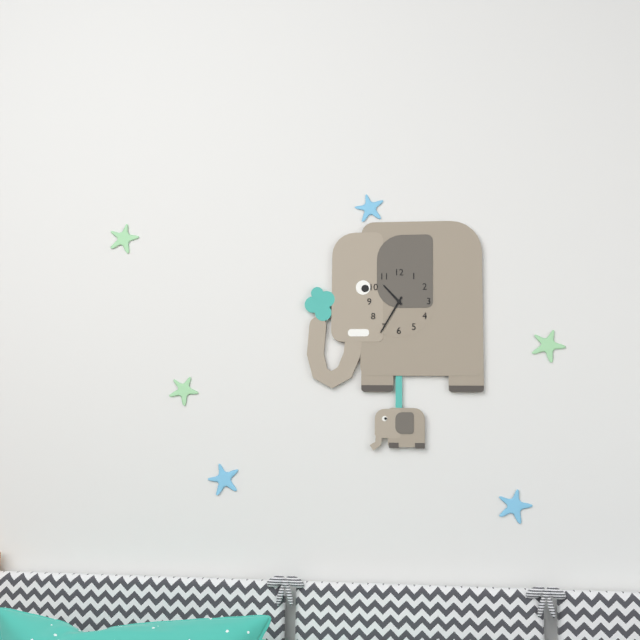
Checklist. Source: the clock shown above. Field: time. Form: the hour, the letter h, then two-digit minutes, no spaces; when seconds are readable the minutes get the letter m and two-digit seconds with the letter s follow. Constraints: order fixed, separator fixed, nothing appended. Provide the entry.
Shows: 10h35
